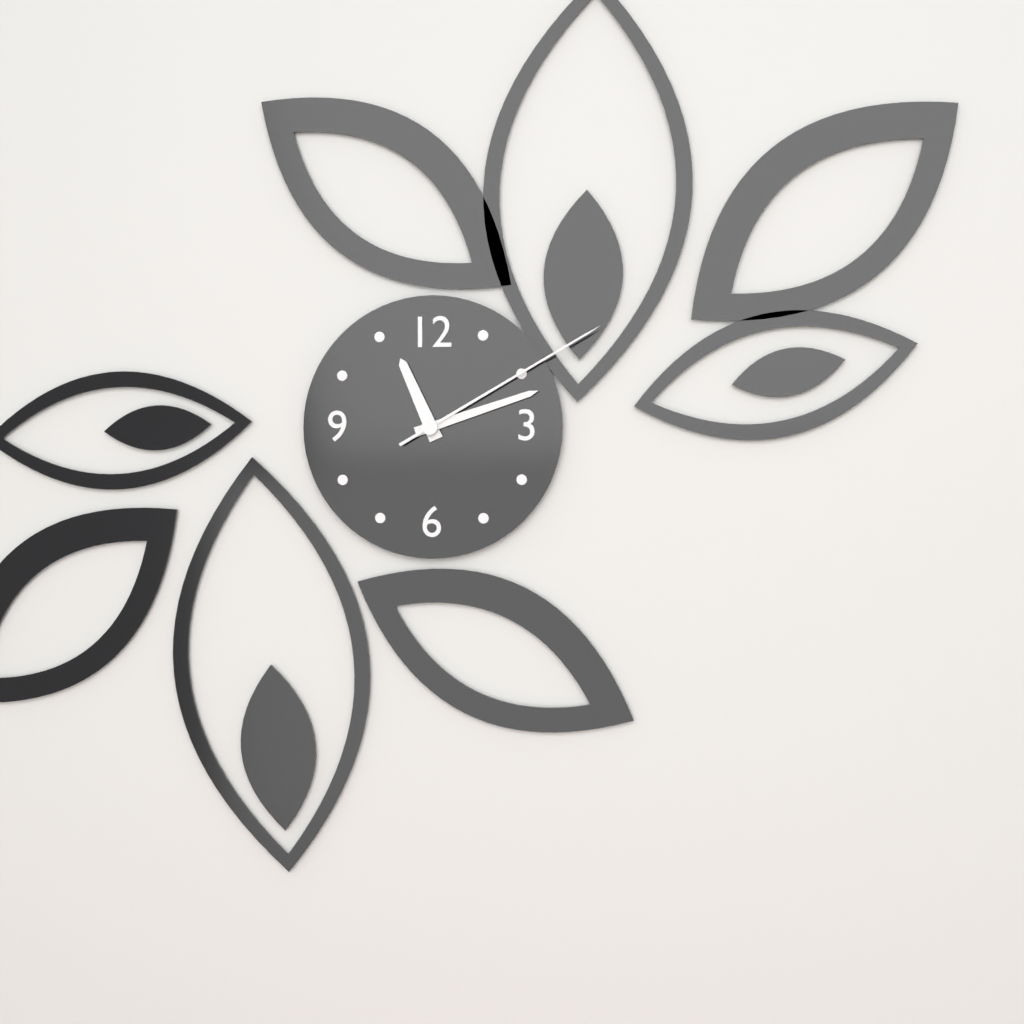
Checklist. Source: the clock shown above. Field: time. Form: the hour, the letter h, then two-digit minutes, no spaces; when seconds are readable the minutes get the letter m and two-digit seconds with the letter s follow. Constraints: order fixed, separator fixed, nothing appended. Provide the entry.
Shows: 11h12m10s
